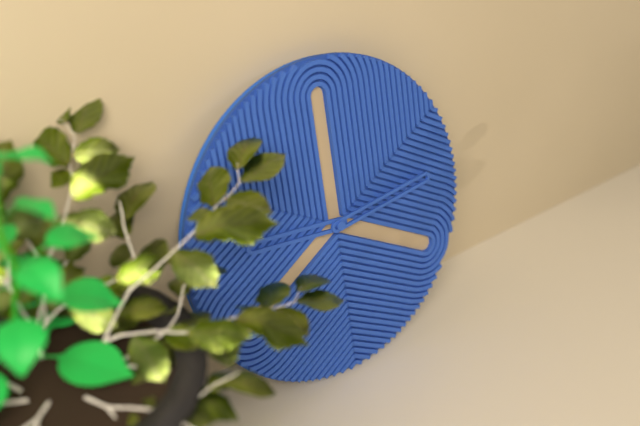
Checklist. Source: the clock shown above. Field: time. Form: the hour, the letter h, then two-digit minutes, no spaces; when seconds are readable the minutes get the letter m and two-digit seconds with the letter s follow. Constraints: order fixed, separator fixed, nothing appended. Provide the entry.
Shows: 9h14
